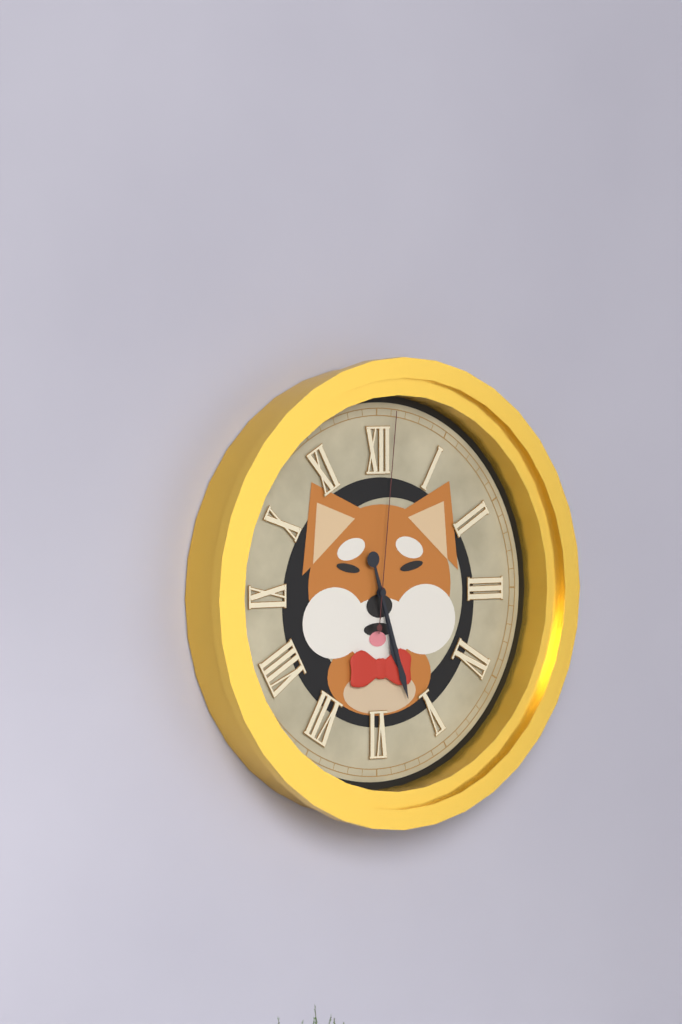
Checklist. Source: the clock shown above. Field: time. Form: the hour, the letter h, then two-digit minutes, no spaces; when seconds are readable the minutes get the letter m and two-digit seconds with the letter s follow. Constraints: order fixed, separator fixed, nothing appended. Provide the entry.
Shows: 5h27m01s
